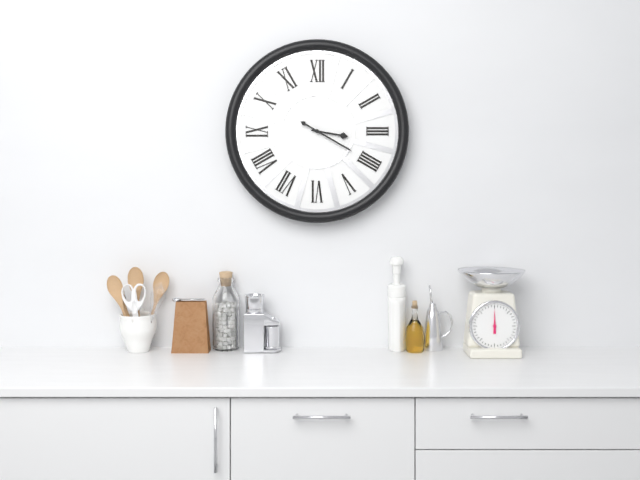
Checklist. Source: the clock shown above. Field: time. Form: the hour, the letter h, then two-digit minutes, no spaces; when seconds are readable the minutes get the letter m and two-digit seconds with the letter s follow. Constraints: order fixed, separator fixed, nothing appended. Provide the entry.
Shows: 3h20
